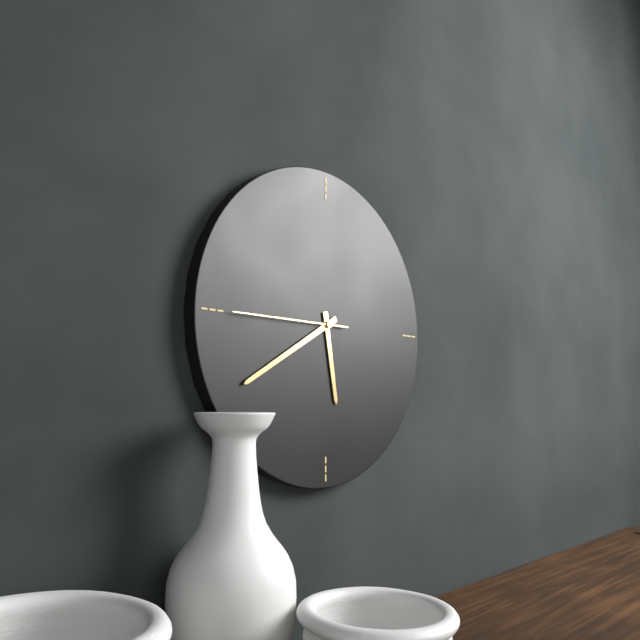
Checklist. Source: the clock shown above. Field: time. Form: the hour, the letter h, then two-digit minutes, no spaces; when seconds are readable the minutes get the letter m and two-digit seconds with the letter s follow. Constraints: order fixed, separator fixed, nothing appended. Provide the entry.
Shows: 5h40m45s
